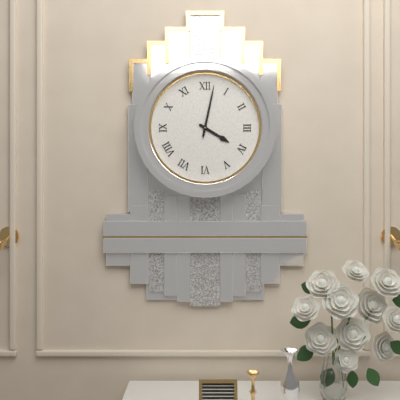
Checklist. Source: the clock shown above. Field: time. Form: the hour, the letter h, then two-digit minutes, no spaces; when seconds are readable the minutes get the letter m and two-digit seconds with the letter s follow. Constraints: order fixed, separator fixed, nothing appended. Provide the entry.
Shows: 4h02
